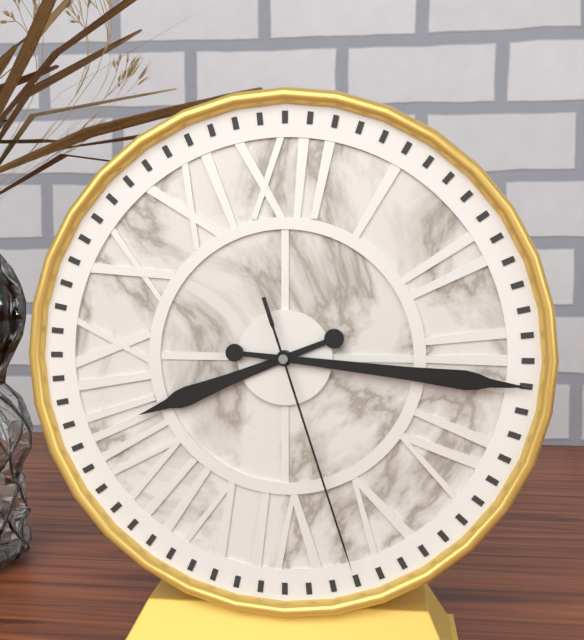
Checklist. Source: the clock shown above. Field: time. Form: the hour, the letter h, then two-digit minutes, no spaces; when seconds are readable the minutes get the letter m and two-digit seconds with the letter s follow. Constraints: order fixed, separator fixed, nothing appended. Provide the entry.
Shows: 8h16m27s
